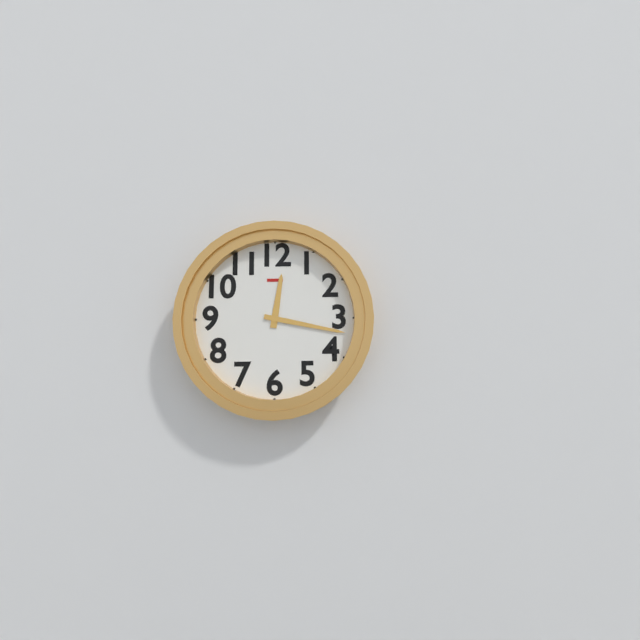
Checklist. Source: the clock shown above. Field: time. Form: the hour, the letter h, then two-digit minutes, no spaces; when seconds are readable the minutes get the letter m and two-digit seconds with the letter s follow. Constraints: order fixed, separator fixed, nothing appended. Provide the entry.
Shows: 12h17
